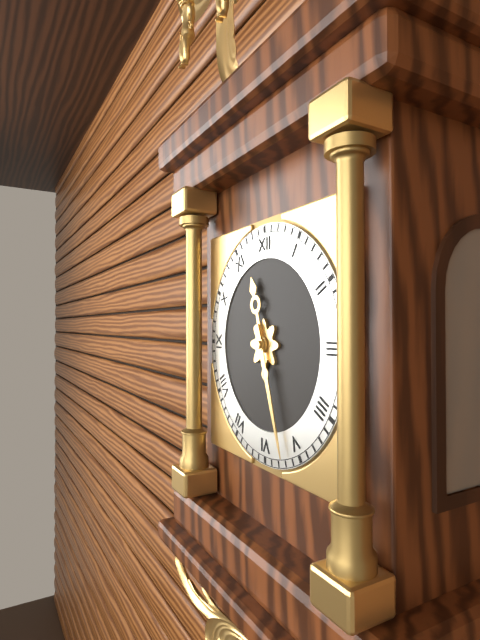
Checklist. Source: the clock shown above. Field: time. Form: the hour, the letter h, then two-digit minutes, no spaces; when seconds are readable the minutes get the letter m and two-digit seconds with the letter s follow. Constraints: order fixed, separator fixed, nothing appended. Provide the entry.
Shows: 11h27
